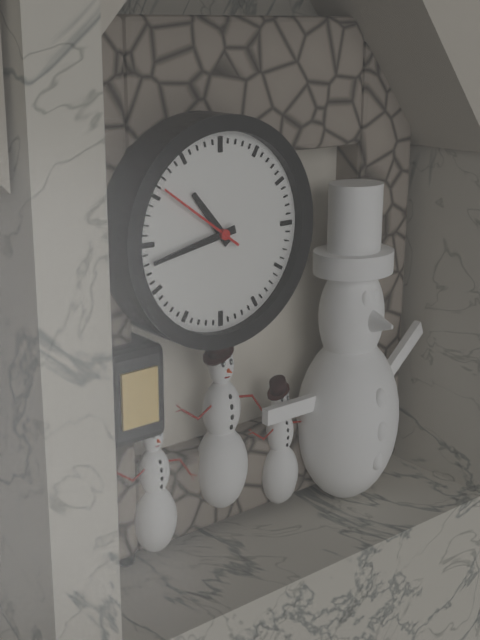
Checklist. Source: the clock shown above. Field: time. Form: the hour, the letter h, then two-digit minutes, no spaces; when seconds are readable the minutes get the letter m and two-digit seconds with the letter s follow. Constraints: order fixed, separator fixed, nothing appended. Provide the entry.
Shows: 10h43m51s
